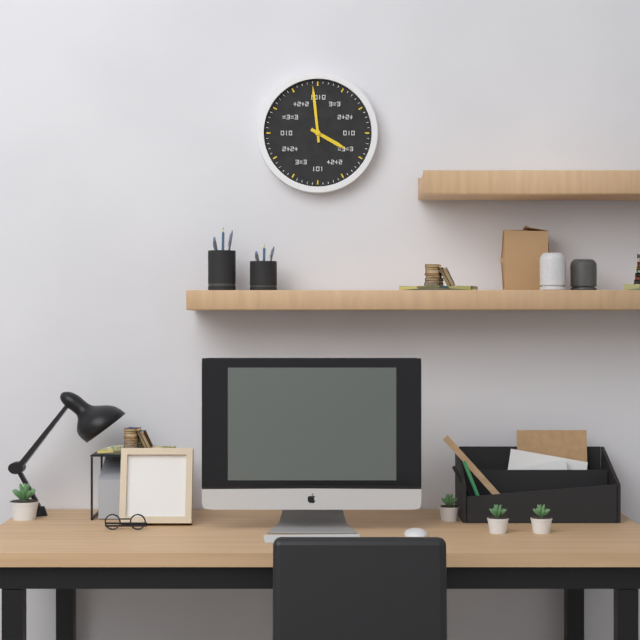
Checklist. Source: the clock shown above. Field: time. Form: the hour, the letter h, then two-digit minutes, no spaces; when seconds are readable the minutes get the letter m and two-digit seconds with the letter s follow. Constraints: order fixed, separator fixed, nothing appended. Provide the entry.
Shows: 3h59
